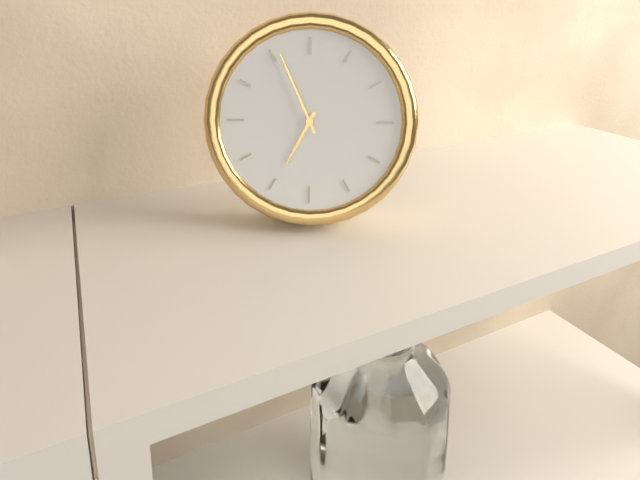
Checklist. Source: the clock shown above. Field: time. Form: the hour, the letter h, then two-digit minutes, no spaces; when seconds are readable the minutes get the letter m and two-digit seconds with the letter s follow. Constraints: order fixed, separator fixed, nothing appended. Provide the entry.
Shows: 6h56
